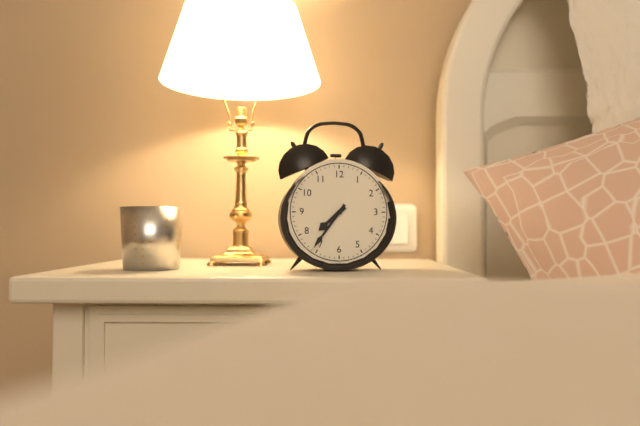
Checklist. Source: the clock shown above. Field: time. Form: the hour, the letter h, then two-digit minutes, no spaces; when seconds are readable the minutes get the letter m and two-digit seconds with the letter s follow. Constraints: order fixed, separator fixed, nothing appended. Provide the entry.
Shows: 7h36
